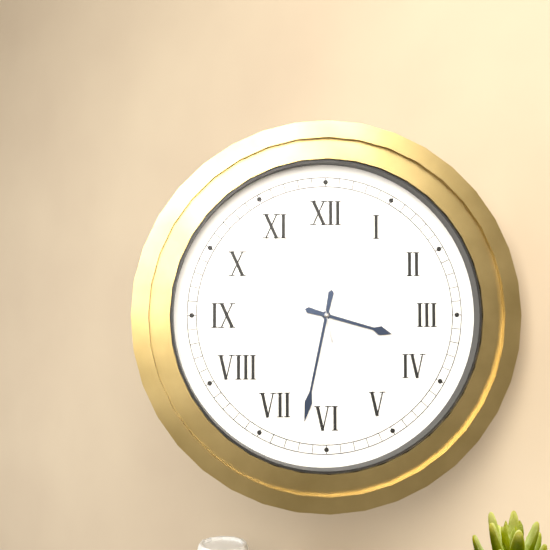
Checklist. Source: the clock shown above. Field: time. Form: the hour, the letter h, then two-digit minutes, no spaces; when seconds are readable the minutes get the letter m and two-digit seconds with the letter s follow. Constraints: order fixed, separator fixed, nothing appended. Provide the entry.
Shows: 3h32m58s
